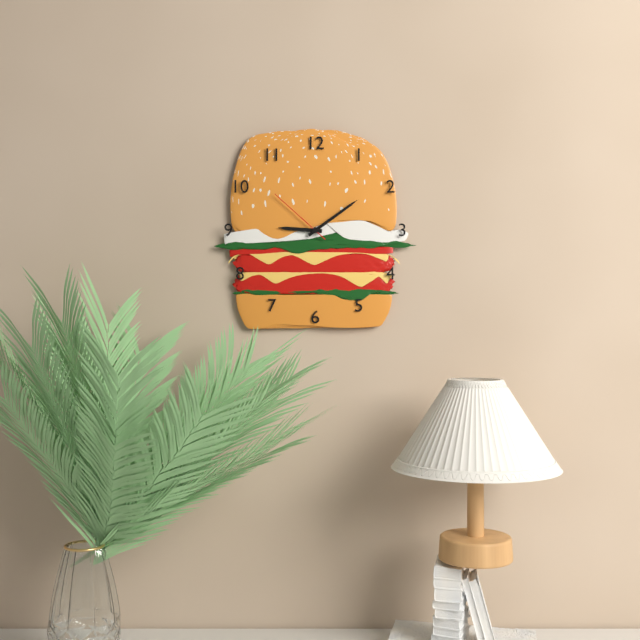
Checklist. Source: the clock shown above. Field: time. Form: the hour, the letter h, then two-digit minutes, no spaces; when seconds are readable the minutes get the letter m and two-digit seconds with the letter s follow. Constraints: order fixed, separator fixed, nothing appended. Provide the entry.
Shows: 9h09m52s
